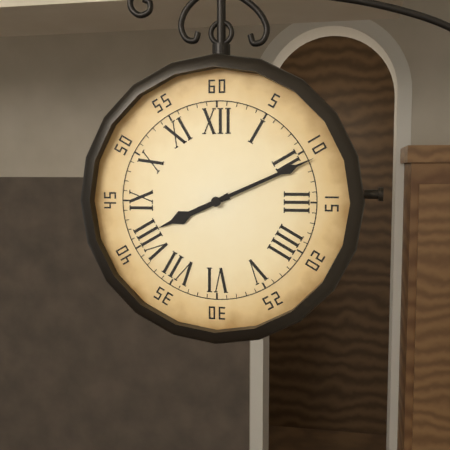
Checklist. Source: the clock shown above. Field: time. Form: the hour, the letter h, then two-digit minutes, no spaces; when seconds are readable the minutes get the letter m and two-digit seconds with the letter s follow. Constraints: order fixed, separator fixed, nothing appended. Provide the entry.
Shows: 8h11
